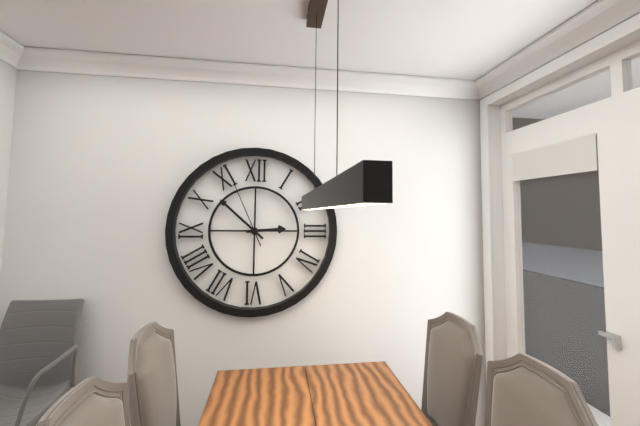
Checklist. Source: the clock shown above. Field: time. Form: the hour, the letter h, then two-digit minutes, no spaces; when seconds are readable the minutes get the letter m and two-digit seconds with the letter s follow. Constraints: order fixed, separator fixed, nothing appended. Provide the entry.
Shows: 2h52m56s
